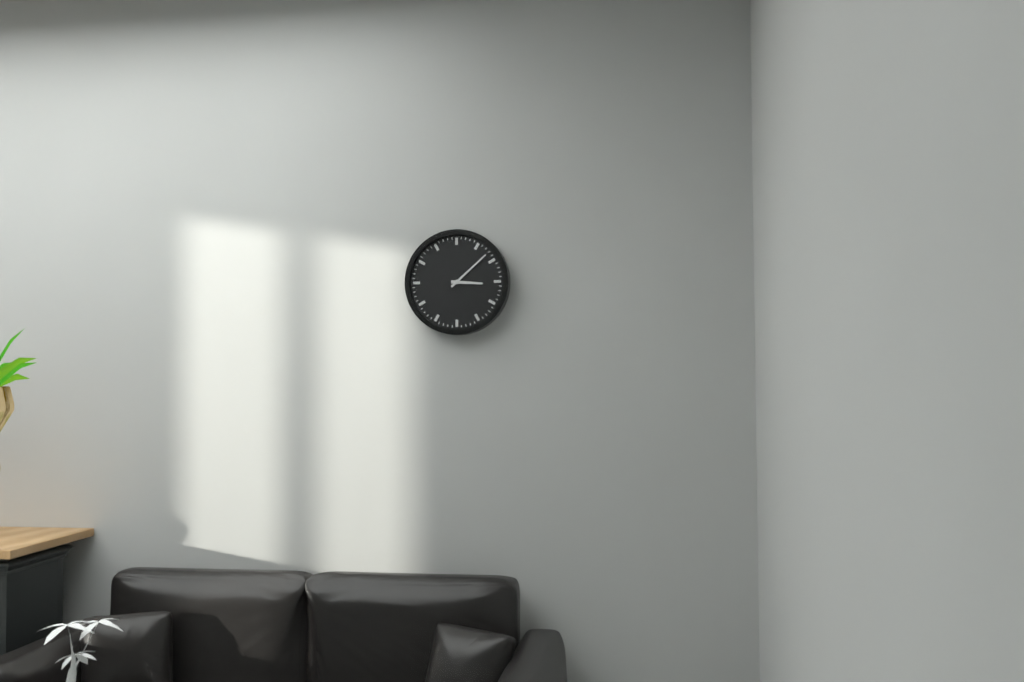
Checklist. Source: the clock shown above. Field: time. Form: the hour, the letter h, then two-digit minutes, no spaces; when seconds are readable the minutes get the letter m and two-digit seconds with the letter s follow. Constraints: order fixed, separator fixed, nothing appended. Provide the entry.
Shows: 3h08
